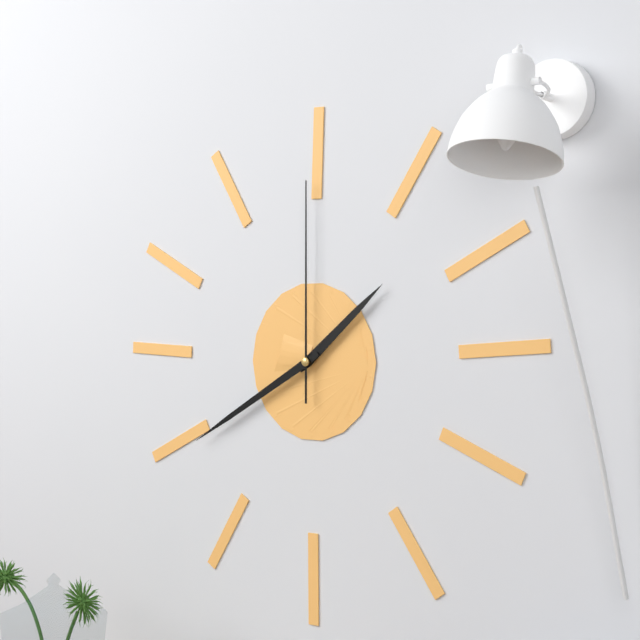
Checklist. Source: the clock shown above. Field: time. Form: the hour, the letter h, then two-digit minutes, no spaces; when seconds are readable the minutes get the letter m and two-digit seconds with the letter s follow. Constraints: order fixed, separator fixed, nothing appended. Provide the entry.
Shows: 1h40m00s
